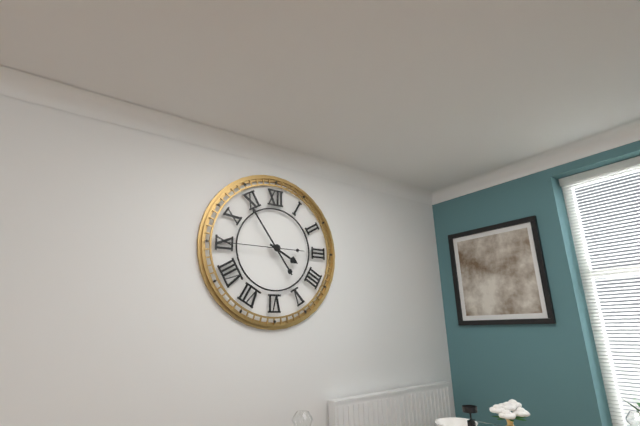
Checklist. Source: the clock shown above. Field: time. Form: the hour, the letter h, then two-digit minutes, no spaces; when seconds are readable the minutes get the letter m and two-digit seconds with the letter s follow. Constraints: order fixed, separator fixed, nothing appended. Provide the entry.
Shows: 3h54m45s
